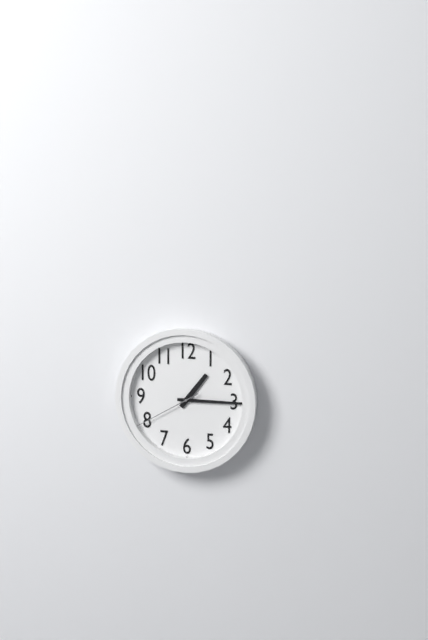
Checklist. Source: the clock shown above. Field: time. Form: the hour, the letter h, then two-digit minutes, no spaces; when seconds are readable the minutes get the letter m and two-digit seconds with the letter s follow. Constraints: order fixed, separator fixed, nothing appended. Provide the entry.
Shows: 1h15m40s
